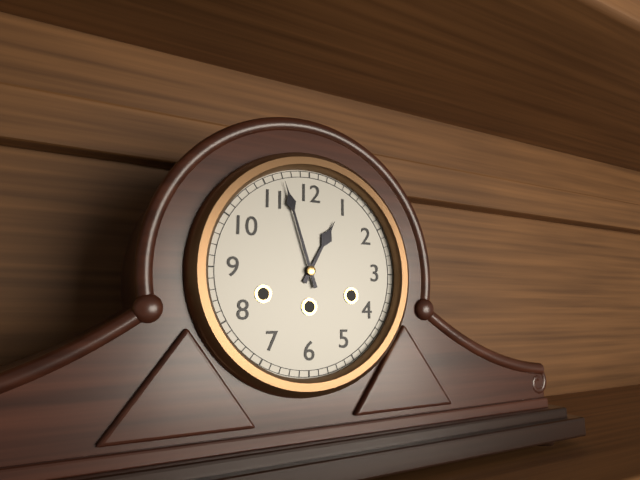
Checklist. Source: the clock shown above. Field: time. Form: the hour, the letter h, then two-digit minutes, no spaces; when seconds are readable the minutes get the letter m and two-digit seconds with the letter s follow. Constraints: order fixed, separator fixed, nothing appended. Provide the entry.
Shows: 12h57
